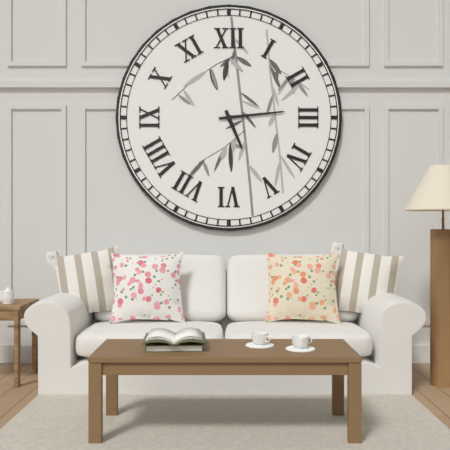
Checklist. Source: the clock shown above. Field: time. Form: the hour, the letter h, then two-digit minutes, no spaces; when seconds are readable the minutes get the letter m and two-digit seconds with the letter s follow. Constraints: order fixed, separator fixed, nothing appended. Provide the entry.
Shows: 5h14
